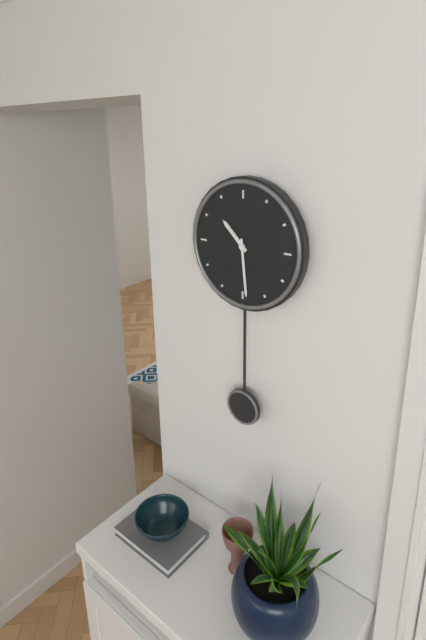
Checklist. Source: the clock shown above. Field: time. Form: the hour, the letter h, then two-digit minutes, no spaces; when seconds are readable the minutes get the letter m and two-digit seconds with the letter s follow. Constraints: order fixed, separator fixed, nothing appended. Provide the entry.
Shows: 10h29
